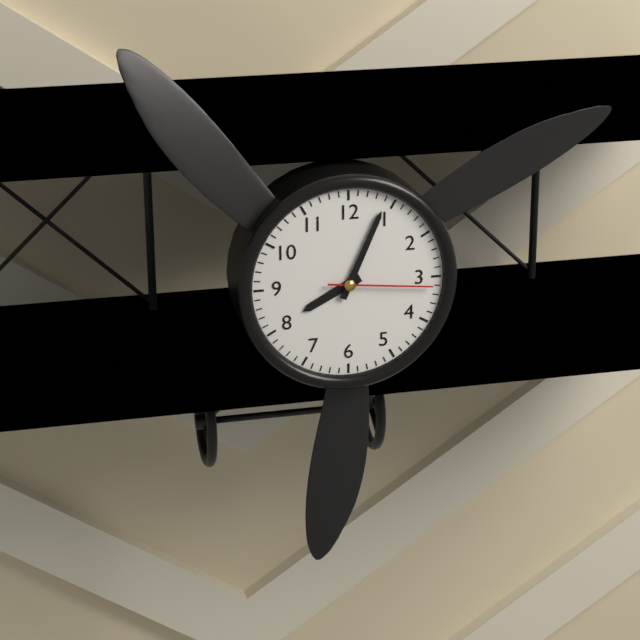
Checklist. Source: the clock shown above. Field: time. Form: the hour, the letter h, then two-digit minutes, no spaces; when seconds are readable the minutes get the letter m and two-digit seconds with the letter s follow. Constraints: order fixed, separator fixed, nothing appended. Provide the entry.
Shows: 8h04m16s
